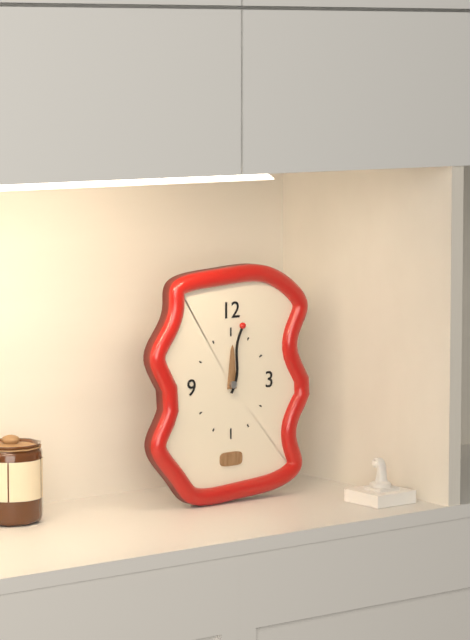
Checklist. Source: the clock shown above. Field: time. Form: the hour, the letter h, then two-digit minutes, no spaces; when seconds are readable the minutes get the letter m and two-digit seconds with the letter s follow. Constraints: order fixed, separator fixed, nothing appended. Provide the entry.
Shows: 12h02
